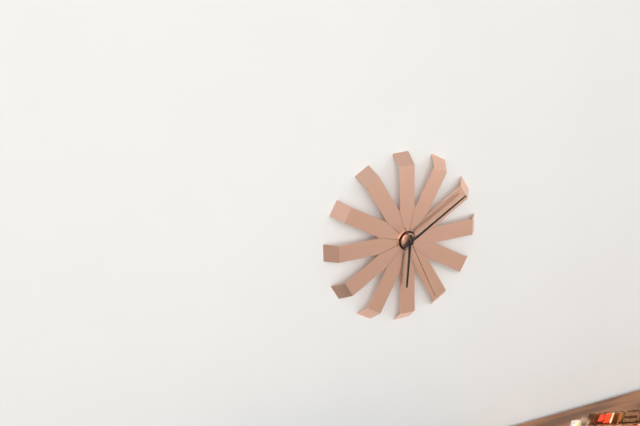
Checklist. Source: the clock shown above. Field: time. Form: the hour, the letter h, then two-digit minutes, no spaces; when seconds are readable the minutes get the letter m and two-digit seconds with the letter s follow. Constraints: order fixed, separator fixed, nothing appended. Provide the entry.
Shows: 6h10m26s
